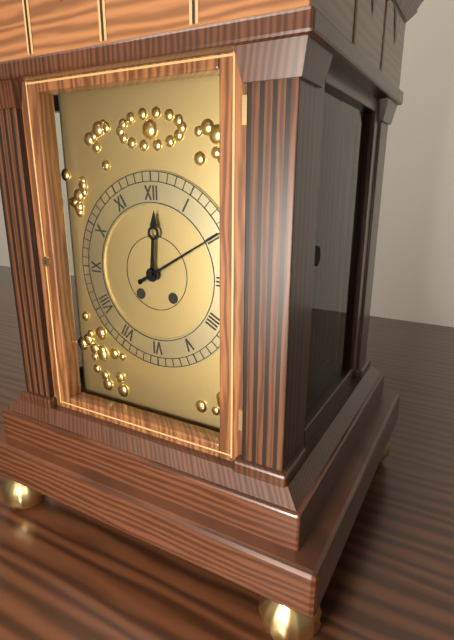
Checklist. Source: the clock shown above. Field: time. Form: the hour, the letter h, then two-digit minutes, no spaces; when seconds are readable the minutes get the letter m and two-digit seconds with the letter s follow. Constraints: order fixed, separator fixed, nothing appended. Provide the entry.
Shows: 12h10
